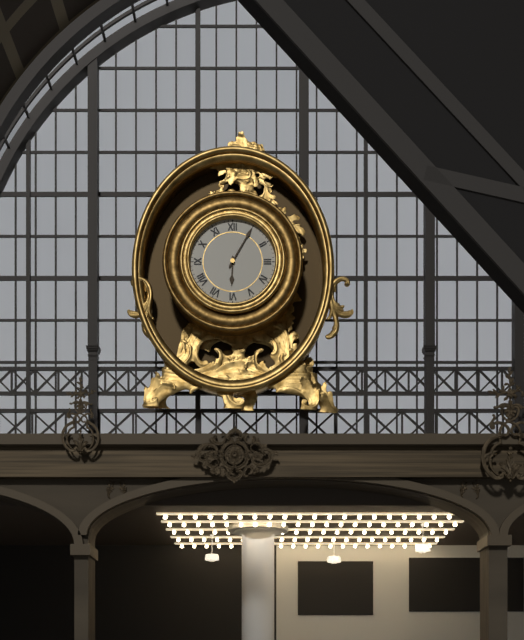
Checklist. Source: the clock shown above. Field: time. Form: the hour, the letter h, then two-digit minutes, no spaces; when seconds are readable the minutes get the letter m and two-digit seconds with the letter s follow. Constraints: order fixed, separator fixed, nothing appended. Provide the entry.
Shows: 6h05
